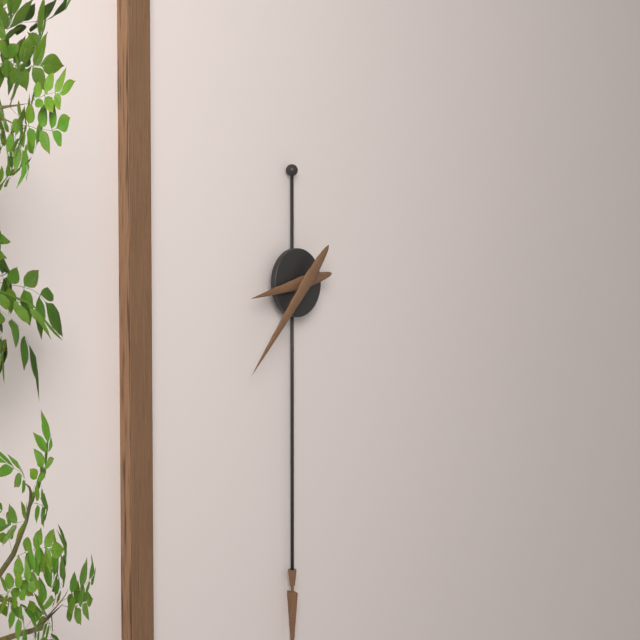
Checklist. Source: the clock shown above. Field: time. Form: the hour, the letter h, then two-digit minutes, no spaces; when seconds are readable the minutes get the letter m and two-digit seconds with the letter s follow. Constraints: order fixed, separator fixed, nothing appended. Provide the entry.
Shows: 8h37
